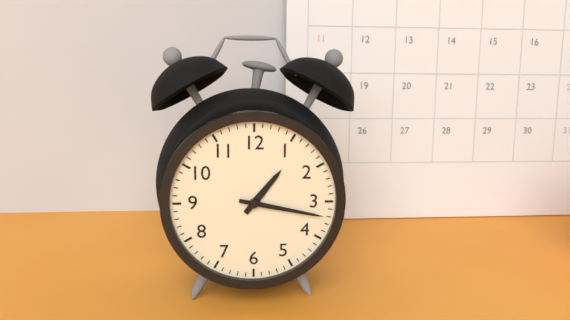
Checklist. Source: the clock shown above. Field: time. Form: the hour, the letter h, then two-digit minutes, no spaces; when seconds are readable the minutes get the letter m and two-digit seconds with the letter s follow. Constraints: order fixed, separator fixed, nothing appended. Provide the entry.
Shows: 1h17
